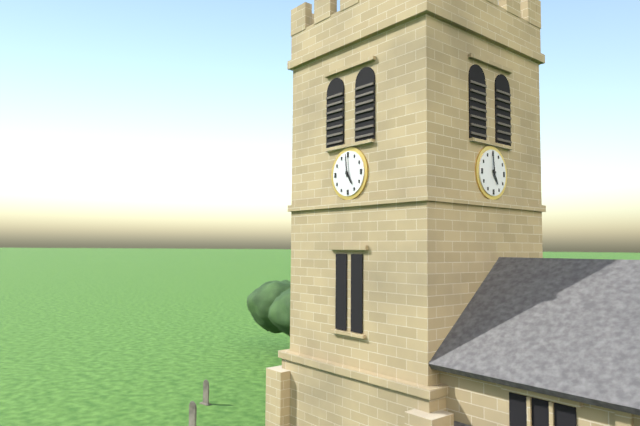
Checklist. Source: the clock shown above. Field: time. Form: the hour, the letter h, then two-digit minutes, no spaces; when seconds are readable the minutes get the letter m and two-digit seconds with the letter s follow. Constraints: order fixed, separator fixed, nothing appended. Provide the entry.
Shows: 4h59
